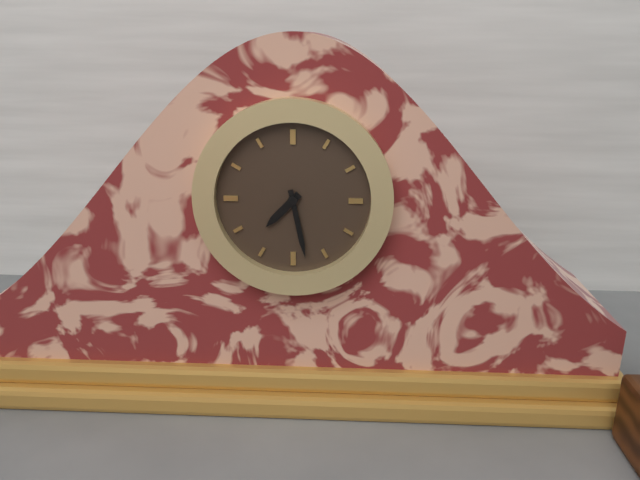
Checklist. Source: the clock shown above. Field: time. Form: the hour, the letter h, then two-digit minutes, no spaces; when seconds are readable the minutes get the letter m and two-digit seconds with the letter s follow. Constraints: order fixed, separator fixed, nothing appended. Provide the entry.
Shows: 7h28
